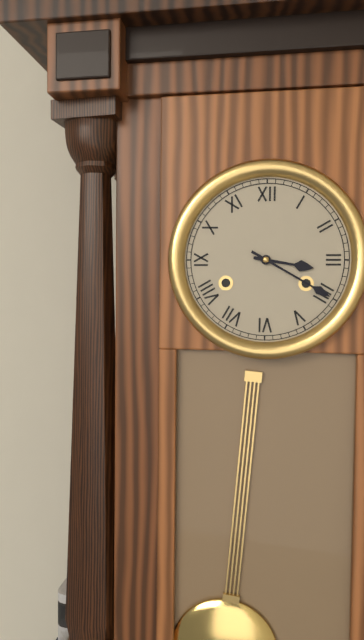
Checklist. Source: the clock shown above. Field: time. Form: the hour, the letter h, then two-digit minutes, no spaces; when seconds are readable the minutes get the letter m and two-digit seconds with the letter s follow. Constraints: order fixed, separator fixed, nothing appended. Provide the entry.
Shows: 3h20
